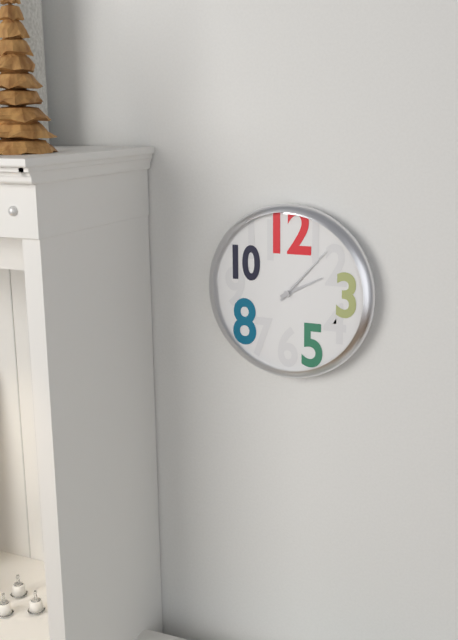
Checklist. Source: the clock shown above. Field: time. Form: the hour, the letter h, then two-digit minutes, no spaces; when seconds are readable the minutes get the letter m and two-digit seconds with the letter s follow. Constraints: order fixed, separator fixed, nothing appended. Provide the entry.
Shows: 2h07
